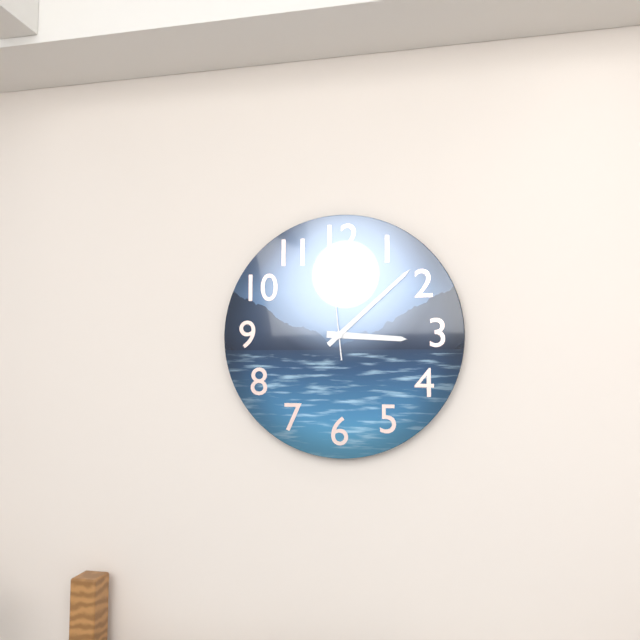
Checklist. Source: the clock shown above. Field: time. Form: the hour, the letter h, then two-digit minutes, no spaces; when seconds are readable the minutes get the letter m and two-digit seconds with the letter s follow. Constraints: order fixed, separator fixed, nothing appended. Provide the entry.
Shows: 3h08m59s
